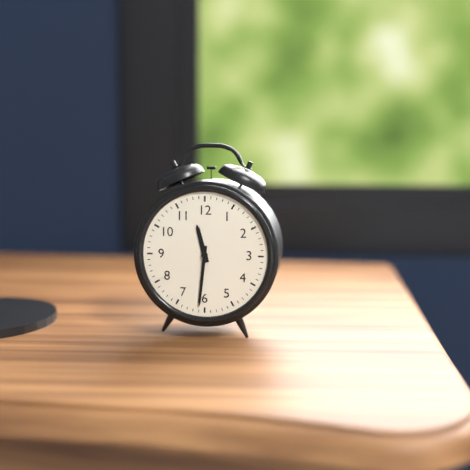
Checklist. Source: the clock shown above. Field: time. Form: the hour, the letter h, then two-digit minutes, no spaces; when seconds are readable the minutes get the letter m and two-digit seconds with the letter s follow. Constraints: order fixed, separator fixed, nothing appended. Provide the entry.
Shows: 11h31
